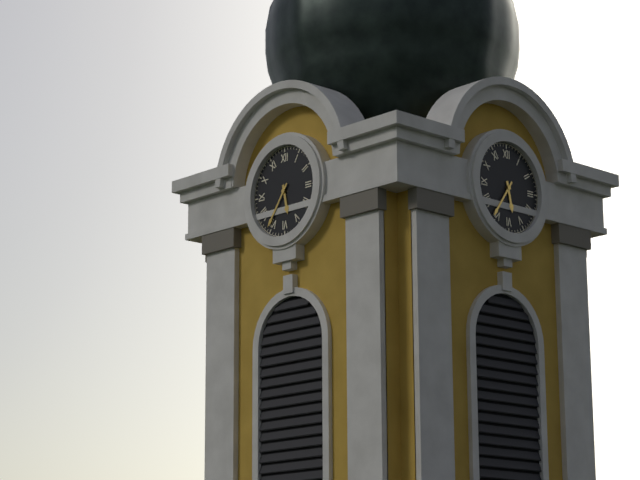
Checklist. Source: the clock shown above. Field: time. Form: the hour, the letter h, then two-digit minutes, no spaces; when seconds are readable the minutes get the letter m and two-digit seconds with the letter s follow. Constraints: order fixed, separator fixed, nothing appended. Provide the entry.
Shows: 5h36
